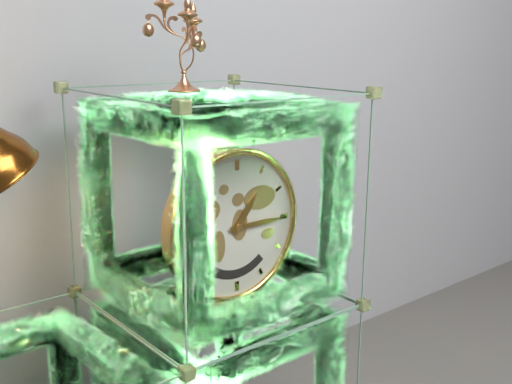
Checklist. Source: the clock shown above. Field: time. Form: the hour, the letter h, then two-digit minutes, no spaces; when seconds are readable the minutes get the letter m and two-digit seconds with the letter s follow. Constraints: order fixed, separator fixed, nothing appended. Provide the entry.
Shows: 1h15
